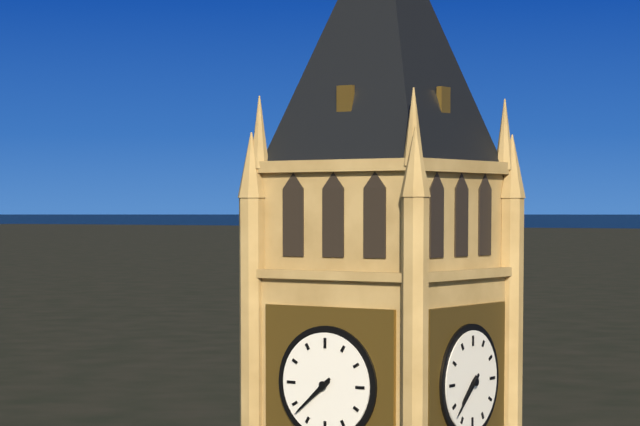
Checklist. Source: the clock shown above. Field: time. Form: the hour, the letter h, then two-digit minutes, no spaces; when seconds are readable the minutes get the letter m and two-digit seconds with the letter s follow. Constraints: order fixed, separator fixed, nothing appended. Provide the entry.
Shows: 7h38
